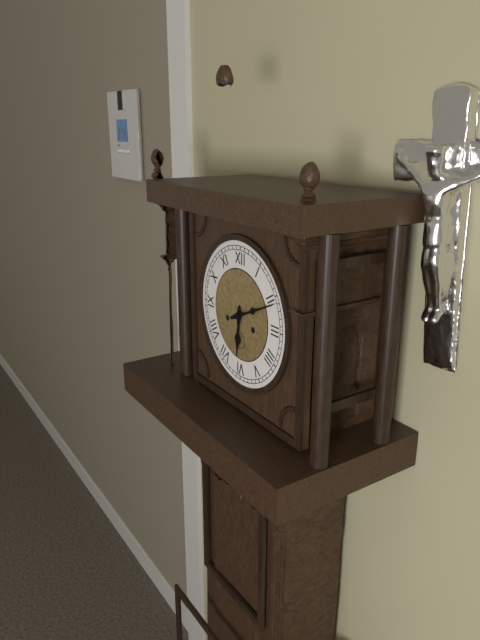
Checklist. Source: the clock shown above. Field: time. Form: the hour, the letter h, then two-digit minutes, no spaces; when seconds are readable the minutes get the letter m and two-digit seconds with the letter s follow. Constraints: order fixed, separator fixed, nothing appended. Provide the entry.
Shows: 6h11
